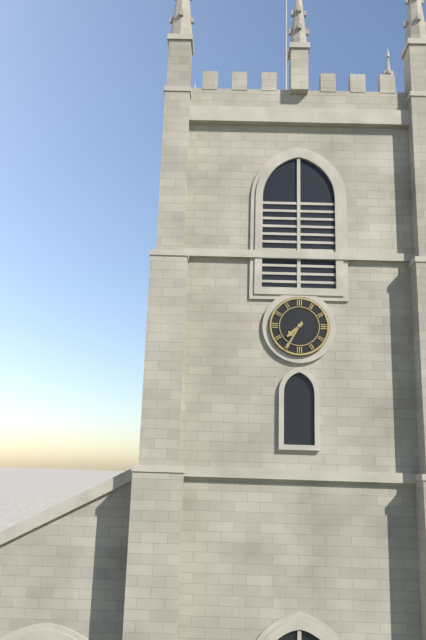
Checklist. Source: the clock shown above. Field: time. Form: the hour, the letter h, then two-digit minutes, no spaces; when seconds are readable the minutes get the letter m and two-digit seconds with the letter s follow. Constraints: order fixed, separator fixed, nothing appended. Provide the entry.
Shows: 7h35
